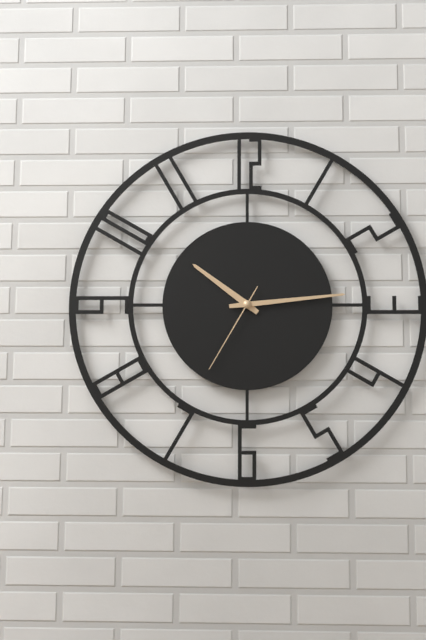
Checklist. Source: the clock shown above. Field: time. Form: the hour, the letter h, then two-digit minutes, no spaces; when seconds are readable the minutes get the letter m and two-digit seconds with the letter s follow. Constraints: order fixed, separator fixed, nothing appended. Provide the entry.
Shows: 10h14m35s
